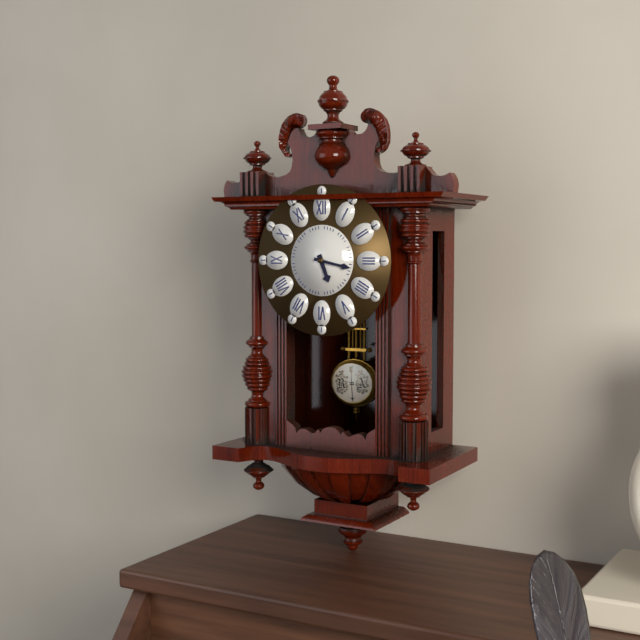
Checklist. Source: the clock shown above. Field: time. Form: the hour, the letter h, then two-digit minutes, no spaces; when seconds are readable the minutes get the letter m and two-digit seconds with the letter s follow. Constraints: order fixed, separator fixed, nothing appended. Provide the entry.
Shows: 5h17
